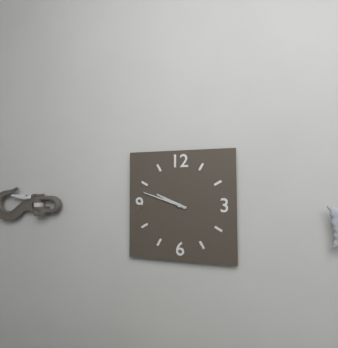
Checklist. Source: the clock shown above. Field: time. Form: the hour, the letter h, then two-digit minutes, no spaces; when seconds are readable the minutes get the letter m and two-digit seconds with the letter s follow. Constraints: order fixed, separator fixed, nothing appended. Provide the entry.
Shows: 9h48
